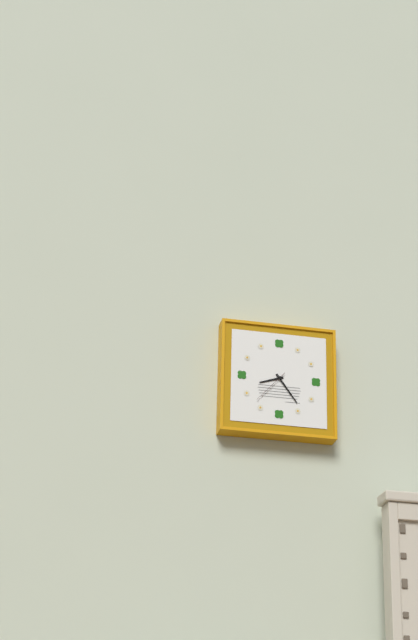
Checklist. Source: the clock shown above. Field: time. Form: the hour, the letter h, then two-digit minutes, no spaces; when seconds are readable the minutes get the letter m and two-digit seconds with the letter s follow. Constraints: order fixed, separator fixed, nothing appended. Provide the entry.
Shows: 8h24
